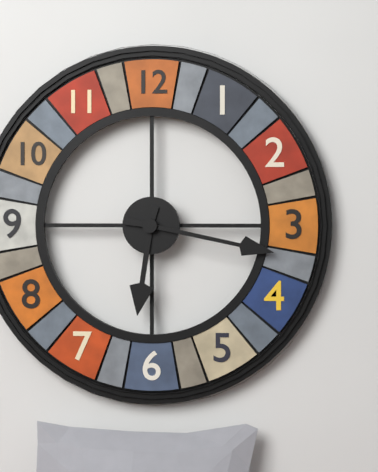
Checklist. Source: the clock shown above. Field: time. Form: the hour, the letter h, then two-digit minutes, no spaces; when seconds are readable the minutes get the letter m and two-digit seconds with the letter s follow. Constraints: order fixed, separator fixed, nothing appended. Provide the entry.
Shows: 6h17
